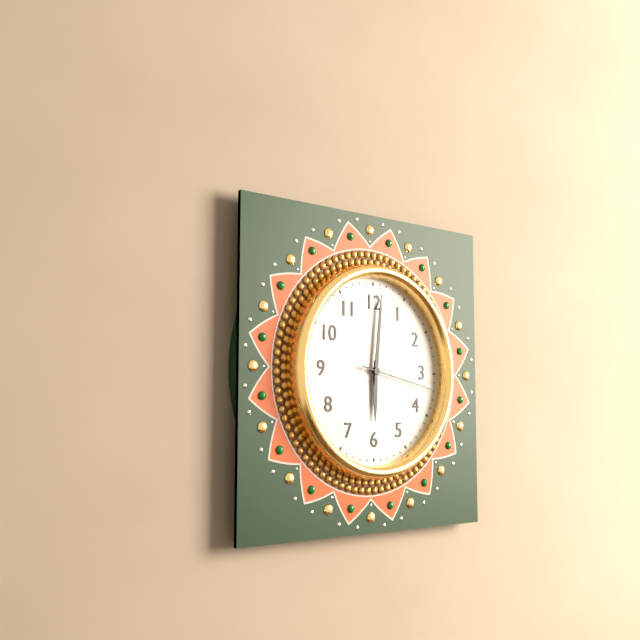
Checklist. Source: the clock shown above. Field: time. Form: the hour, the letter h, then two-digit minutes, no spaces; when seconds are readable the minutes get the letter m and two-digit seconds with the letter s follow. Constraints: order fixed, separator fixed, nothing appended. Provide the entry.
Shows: 6h01m17s
